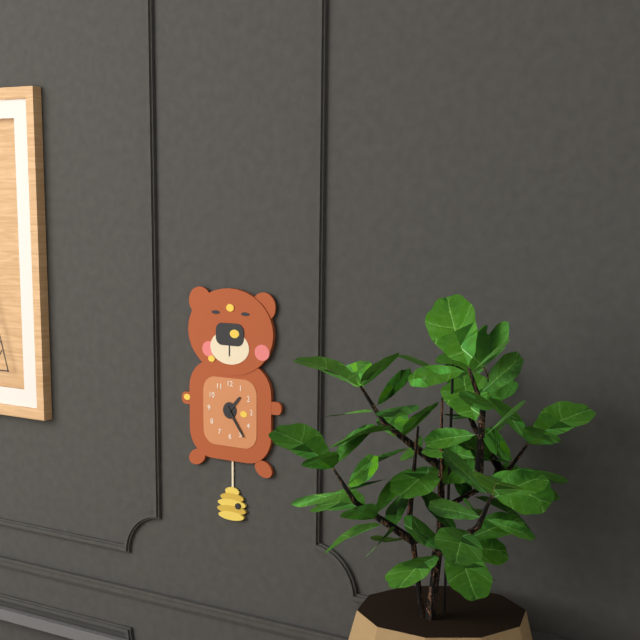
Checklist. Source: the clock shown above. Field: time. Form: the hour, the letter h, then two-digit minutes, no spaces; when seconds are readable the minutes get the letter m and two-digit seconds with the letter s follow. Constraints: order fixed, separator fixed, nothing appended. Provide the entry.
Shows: 1h24
